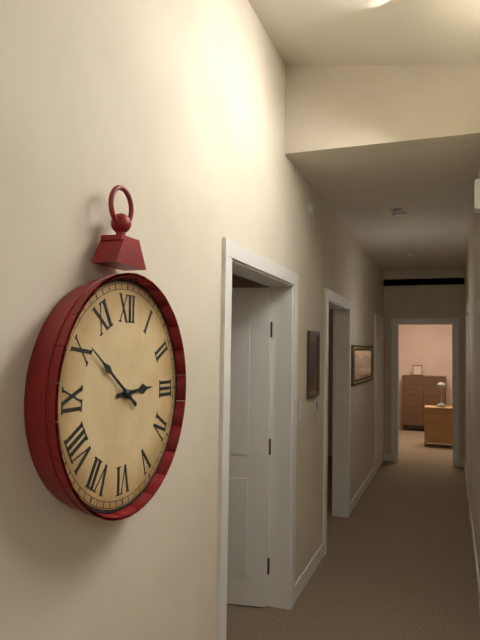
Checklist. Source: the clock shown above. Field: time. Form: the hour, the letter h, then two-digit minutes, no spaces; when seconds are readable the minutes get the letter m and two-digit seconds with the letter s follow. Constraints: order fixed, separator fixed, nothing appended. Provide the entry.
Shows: 2h51
